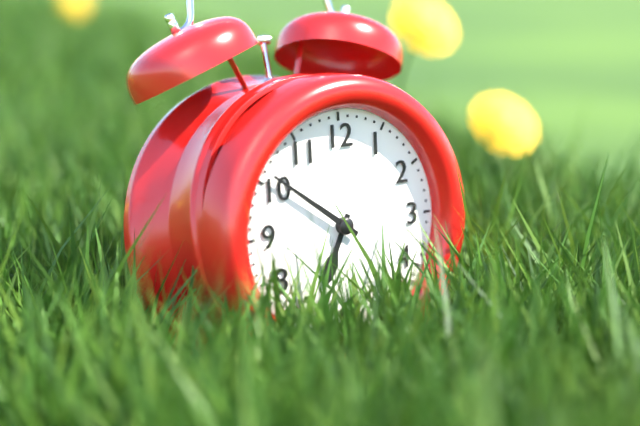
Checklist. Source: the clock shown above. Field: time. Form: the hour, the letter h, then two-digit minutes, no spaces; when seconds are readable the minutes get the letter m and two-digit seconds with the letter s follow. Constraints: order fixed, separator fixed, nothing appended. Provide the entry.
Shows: 6h51
